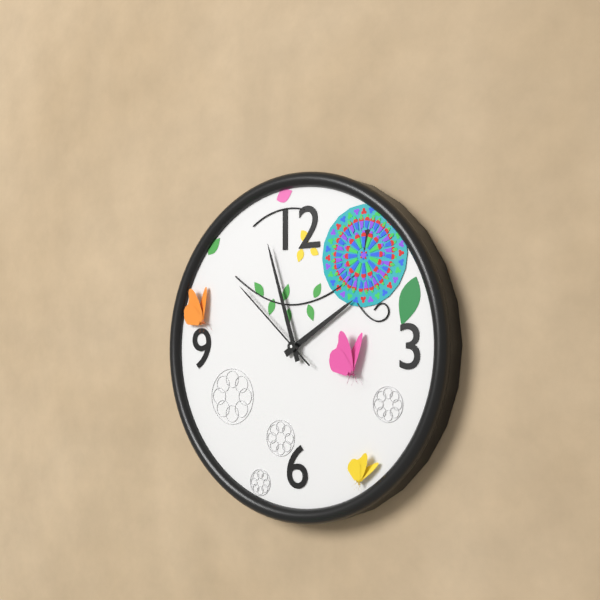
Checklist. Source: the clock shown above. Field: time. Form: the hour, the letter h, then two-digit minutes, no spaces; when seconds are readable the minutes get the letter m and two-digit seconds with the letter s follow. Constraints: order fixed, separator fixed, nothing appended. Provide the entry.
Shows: 1h57m52s
